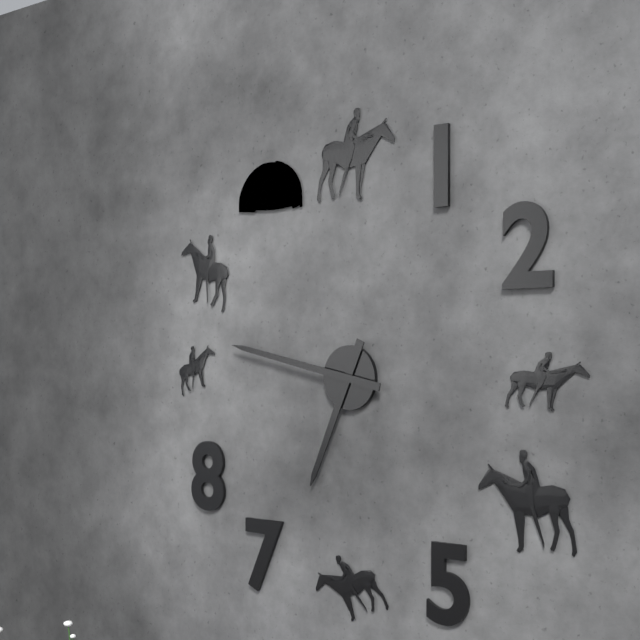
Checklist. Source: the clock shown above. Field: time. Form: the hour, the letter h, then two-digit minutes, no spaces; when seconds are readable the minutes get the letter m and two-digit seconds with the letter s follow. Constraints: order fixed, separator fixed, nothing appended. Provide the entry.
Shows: 6h47
